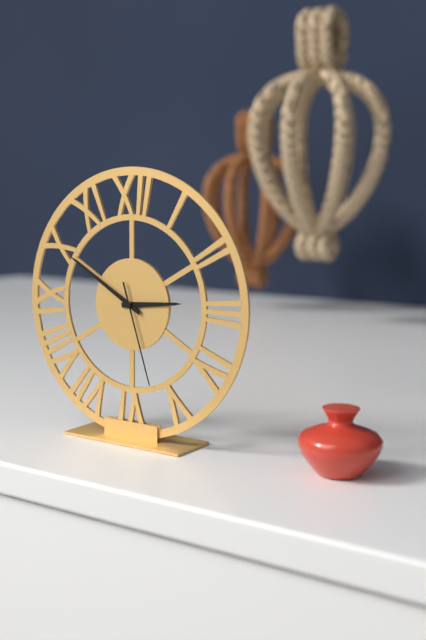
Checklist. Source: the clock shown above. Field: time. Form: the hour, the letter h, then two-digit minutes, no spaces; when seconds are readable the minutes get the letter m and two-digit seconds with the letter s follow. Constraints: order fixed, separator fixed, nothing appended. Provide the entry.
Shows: 2h50m27s
